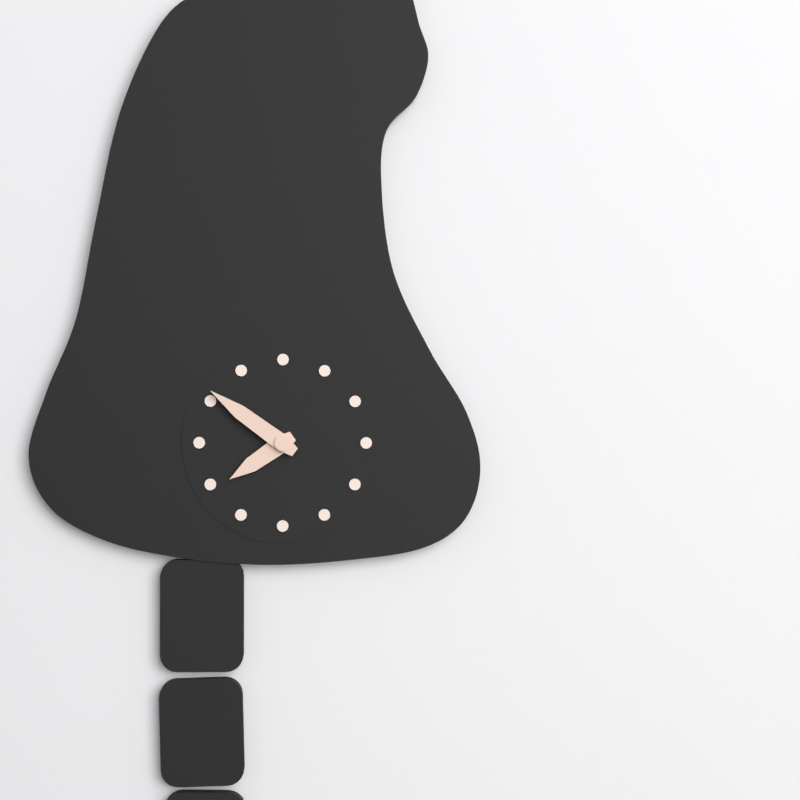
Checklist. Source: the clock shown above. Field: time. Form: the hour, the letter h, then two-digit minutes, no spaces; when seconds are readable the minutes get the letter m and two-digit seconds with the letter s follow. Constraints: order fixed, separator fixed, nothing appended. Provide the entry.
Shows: 7h51
